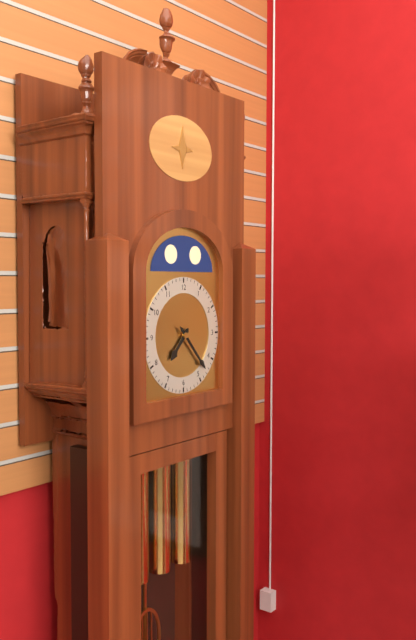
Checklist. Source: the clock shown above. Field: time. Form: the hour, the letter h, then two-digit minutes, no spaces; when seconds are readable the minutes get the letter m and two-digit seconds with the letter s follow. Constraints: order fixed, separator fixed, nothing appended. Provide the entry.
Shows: 7h23
